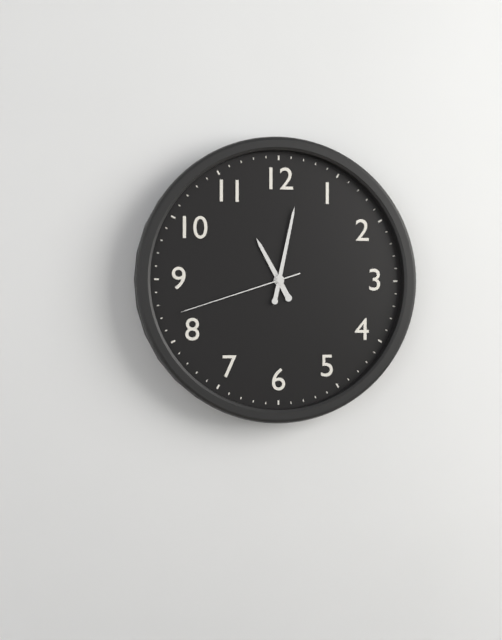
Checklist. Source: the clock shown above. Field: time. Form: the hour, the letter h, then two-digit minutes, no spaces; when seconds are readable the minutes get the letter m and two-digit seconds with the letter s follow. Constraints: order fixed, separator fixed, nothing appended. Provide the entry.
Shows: 11h02m42s
